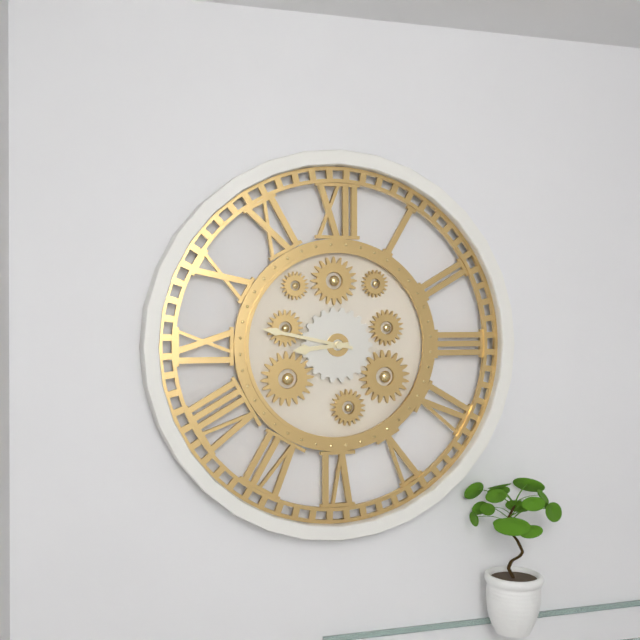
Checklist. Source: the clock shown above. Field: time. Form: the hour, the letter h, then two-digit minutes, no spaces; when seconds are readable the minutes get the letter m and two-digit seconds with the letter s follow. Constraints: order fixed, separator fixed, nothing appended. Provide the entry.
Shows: 8h47
